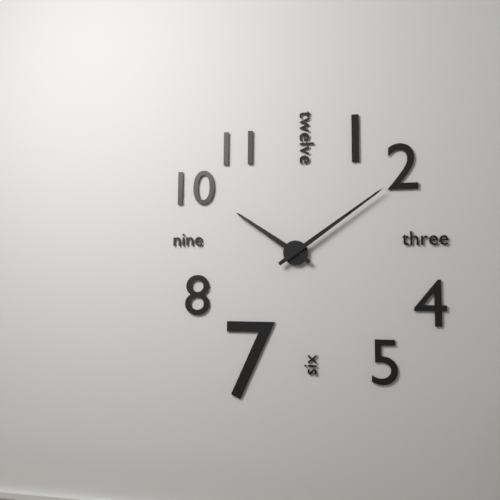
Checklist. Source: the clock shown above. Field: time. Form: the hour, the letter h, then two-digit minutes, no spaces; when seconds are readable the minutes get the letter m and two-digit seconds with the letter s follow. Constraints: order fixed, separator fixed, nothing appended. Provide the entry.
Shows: 10h09
